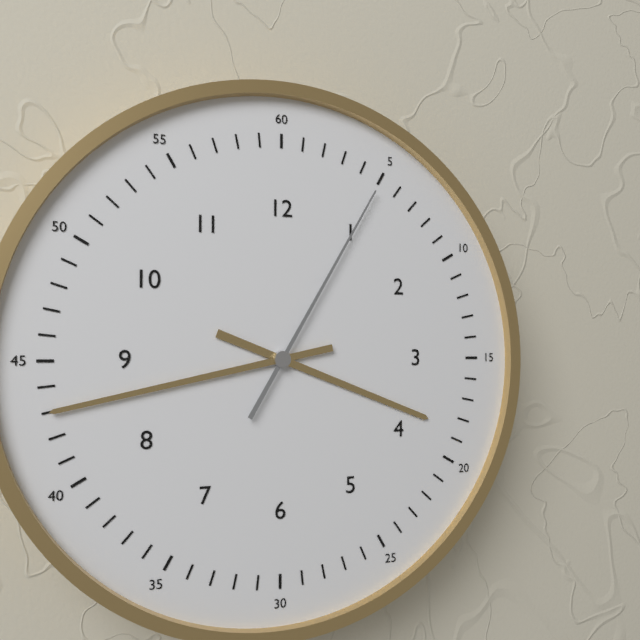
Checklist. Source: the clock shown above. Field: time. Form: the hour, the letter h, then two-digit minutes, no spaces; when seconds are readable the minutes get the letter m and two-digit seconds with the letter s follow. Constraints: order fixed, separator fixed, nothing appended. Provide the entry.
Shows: 3h43m05s
